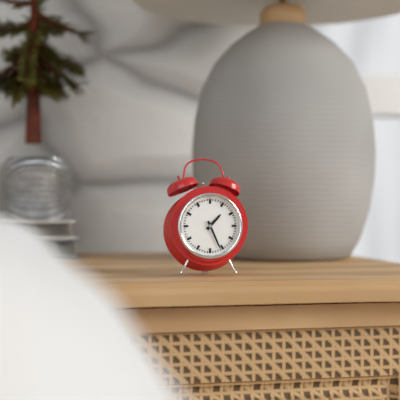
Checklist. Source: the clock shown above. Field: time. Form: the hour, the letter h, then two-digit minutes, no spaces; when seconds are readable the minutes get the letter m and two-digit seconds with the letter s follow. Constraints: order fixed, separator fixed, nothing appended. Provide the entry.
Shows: 1h26
